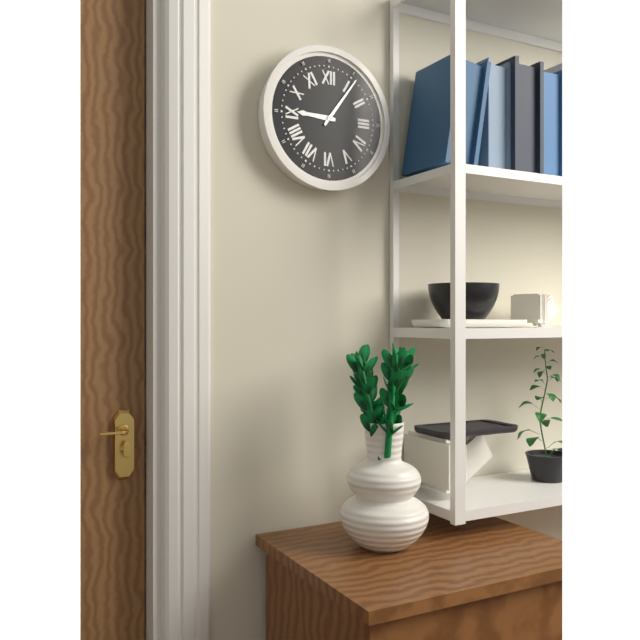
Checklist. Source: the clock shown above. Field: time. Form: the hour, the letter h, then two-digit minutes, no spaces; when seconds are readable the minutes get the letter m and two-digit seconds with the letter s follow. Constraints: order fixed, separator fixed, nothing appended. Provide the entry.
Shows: 9h06
